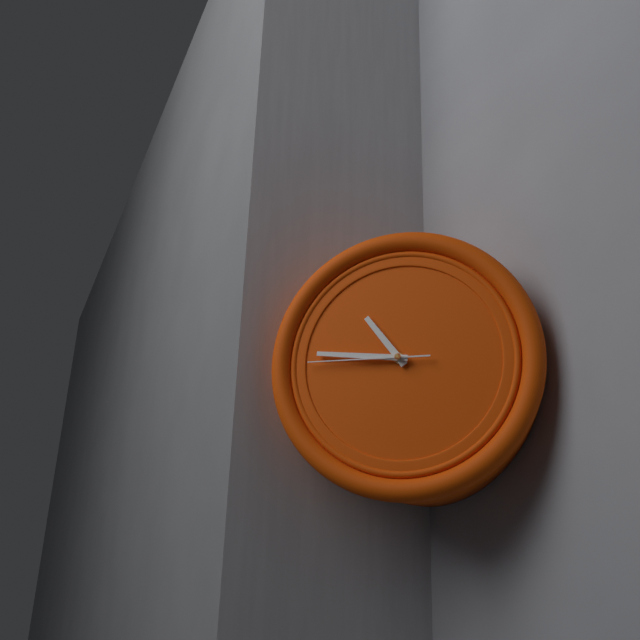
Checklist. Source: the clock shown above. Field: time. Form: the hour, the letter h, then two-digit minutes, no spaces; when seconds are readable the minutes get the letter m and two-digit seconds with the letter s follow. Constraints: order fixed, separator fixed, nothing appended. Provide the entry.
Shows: 10h46m45s
